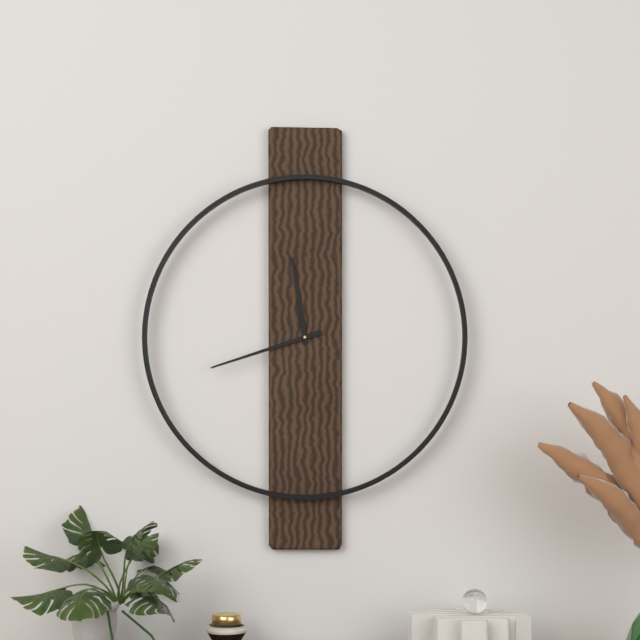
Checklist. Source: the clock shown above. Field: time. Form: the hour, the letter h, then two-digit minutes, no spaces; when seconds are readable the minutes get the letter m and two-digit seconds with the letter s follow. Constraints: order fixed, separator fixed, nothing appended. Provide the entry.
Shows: 11h42
